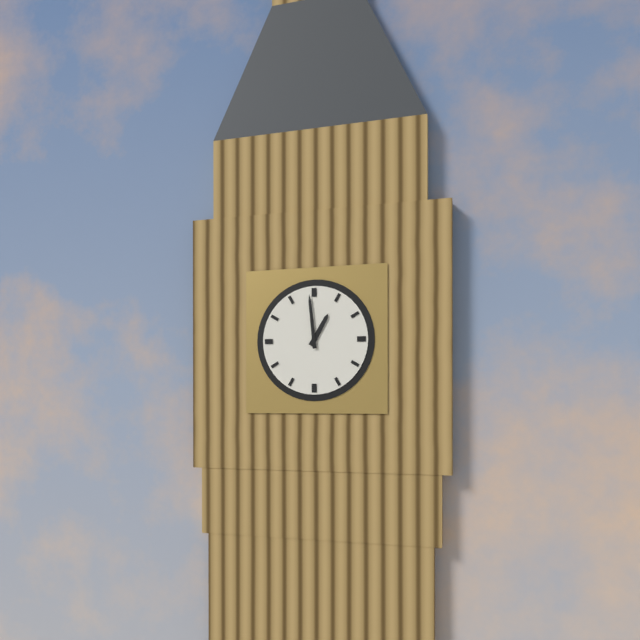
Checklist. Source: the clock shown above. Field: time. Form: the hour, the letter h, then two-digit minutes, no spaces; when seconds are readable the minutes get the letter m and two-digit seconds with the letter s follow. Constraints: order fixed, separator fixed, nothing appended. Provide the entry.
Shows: 12h59
